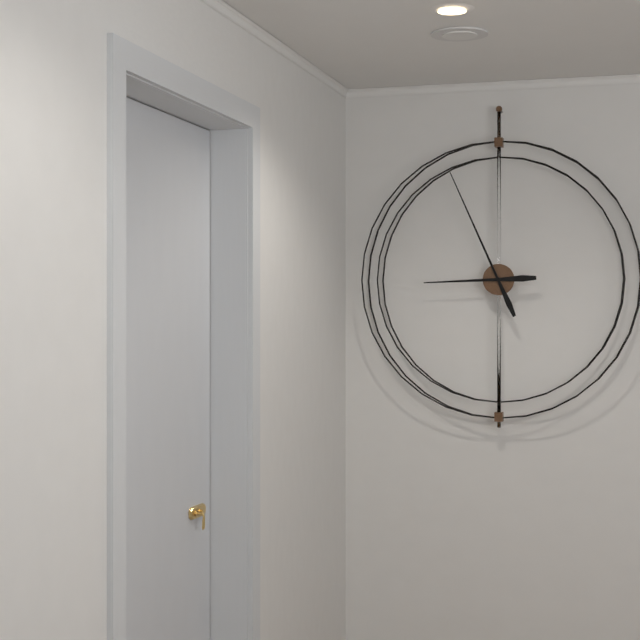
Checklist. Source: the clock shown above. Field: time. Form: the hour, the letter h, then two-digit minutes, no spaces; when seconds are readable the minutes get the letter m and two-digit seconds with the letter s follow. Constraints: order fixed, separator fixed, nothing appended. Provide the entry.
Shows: 8h56
